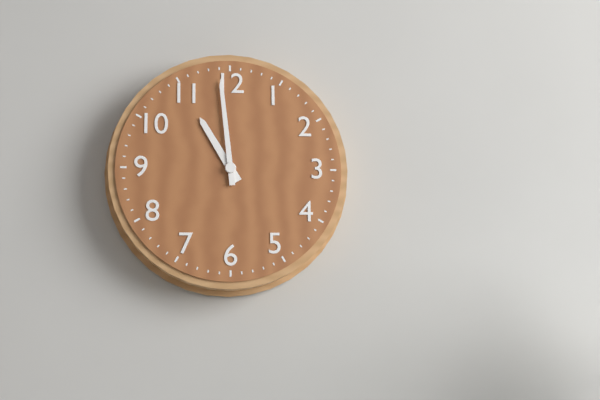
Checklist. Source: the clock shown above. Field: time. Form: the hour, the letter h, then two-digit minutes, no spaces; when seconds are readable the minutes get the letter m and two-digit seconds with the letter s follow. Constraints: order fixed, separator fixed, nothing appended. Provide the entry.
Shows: 10h59
